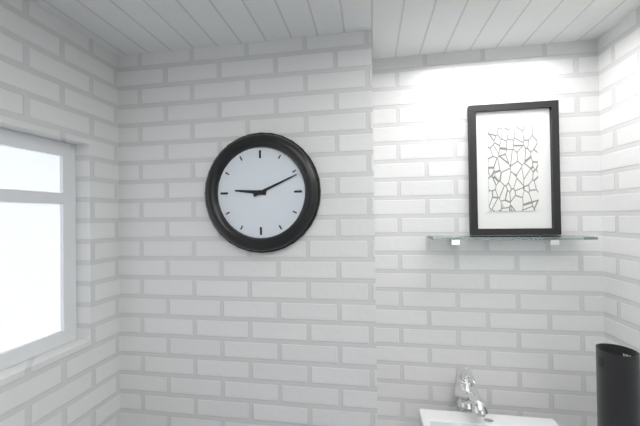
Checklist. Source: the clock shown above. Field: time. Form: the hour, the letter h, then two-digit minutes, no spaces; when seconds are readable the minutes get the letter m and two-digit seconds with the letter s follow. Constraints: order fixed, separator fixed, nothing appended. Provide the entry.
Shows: 9h11
